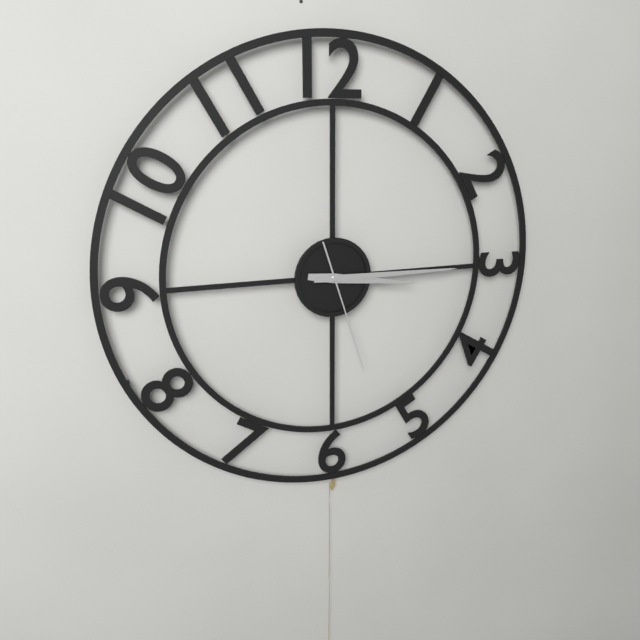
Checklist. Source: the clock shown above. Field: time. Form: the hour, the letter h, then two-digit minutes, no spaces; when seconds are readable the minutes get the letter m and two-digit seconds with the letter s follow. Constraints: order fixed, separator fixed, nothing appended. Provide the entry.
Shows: 3h15m27s
